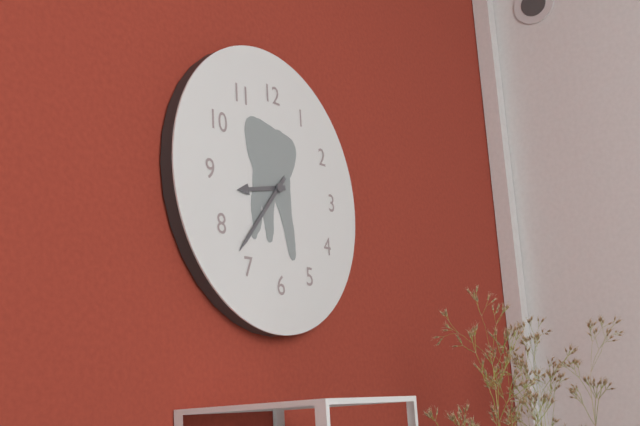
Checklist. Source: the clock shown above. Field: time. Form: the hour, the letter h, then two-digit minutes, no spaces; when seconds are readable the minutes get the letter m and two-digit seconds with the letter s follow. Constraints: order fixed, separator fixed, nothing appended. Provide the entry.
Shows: 8h37
